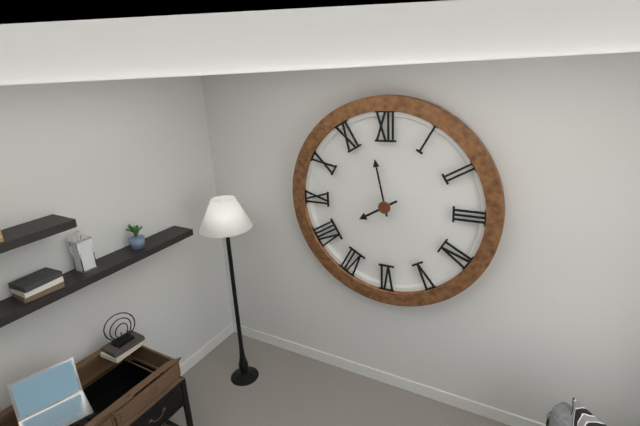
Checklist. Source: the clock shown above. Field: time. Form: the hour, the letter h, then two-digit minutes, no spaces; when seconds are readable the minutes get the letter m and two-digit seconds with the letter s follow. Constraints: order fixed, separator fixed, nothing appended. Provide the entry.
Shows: 7h58
